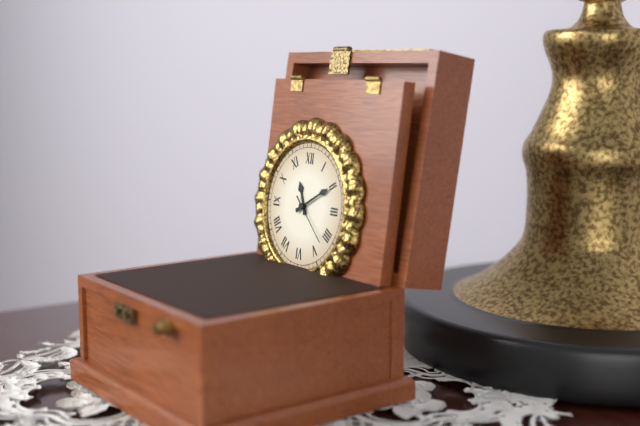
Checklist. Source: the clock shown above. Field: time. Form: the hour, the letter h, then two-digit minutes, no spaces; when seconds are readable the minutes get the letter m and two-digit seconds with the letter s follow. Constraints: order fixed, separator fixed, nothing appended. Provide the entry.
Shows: 11h10
